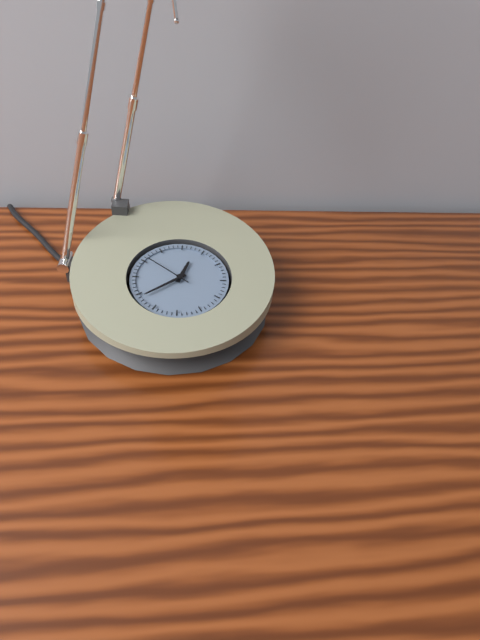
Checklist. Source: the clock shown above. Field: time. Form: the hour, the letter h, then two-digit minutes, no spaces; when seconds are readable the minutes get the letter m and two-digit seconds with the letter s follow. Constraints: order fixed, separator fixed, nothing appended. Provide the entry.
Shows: 12h39
